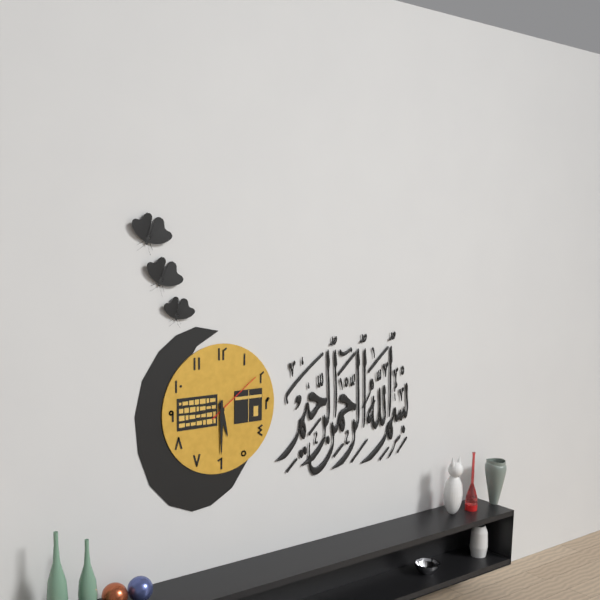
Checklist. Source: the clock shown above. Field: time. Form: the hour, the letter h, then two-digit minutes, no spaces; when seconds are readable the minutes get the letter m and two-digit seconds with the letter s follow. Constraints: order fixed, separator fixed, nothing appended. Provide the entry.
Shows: 5h30m09s
